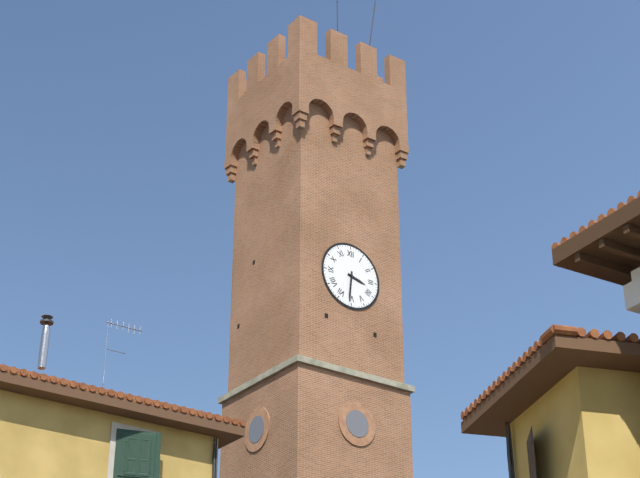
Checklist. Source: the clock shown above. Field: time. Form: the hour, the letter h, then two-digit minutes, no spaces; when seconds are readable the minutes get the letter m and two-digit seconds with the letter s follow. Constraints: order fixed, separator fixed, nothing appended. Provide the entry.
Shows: 3h31
